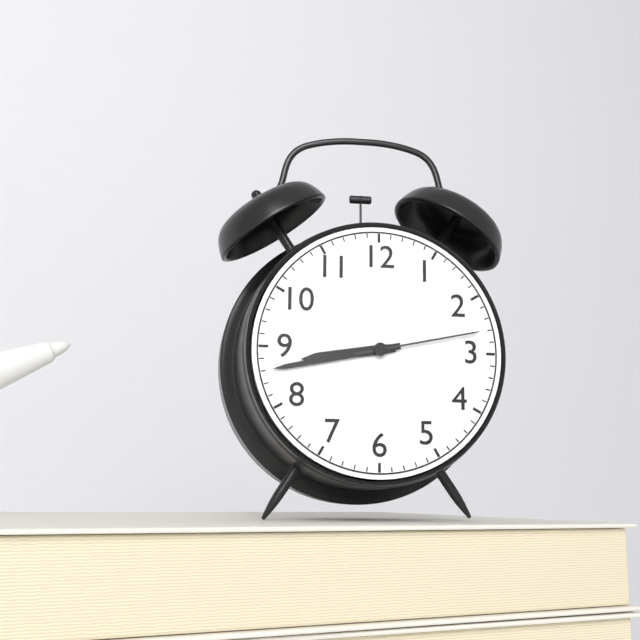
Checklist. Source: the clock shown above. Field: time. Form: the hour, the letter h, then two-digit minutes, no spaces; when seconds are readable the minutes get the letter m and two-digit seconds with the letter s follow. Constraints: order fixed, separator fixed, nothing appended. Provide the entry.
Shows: 8h43m13s
